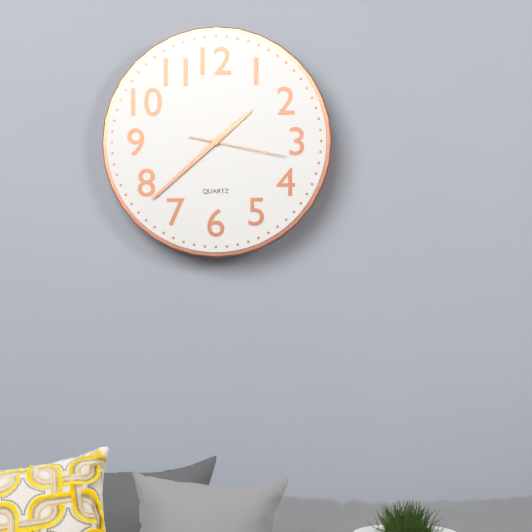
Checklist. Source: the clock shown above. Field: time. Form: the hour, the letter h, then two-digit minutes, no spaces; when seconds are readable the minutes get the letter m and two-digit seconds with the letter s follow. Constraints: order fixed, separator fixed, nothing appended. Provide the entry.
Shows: 1h38m17s
